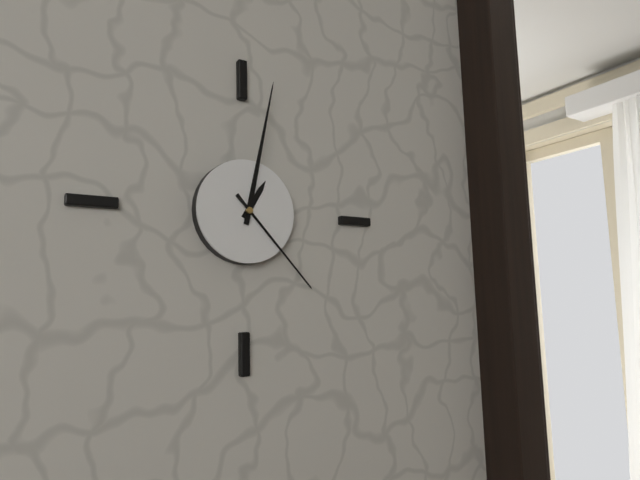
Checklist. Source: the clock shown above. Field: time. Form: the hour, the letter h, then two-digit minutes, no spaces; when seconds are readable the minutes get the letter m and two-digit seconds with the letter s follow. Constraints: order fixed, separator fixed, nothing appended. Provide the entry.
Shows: 1h02m23s
